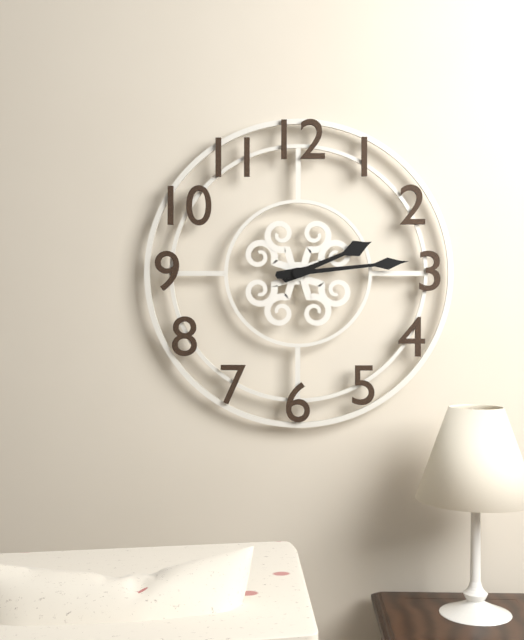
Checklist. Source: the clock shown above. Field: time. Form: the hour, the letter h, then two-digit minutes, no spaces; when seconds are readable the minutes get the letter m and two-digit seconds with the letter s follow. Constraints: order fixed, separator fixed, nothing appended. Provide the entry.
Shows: 2h14
